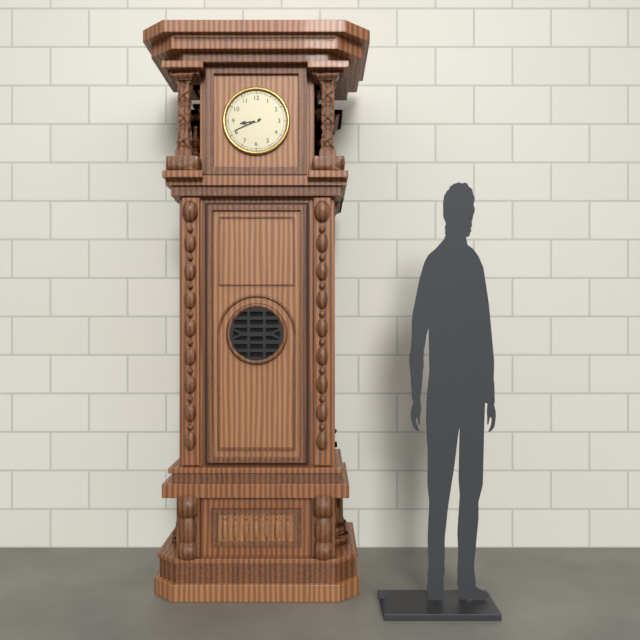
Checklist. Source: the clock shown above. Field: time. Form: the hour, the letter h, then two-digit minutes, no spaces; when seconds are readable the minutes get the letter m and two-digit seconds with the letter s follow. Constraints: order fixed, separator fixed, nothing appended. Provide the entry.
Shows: 8h41
